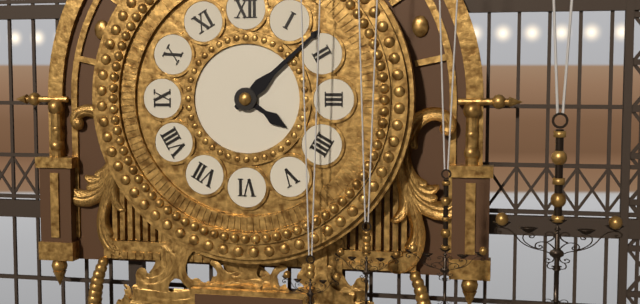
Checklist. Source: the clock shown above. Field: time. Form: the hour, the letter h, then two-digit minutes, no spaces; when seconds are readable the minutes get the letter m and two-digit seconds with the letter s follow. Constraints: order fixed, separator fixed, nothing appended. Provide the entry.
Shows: 4h08
